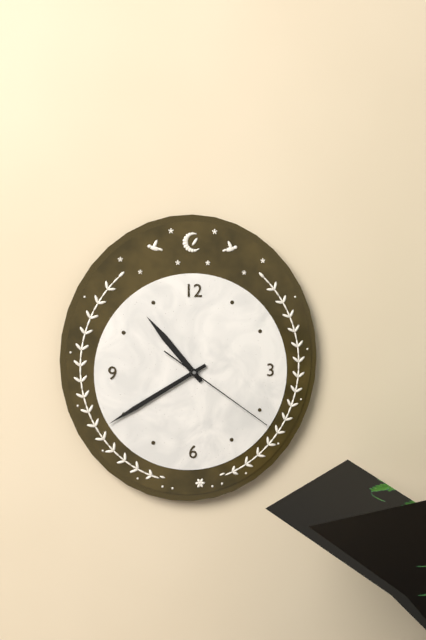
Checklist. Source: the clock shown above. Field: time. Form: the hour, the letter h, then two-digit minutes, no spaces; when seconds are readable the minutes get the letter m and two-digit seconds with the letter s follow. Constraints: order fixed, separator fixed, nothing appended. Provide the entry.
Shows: 10h40m21s
